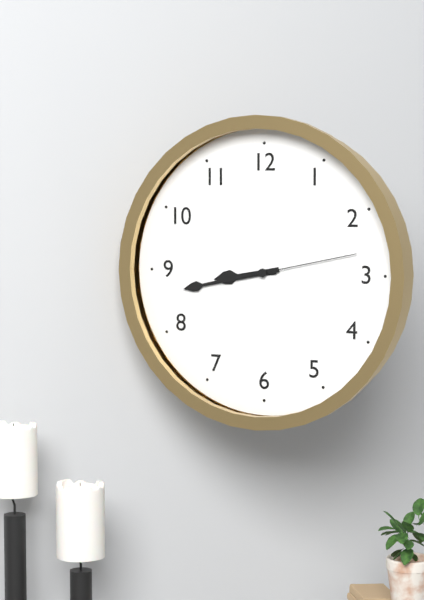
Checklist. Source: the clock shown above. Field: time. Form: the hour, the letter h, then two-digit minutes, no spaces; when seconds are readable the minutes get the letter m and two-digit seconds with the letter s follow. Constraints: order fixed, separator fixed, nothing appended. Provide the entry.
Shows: 8h43m13s
